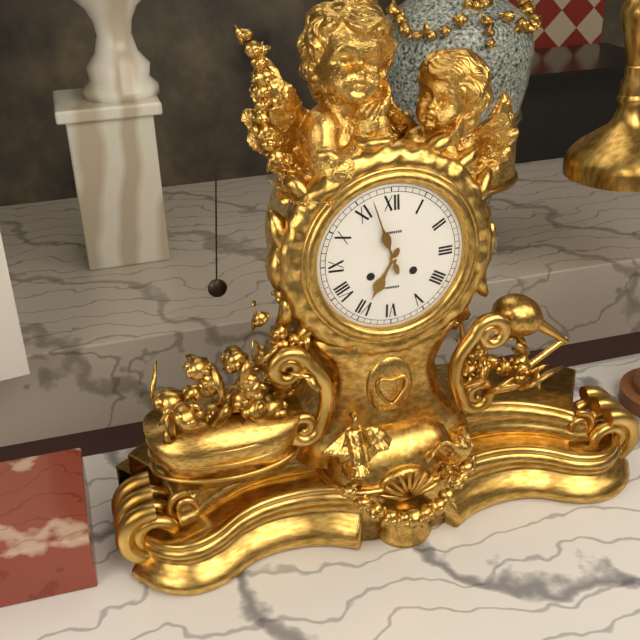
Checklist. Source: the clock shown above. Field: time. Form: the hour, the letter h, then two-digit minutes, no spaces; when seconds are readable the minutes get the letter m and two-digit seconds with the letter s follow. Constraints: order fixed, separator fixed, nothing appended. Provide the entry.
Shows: 6h57
